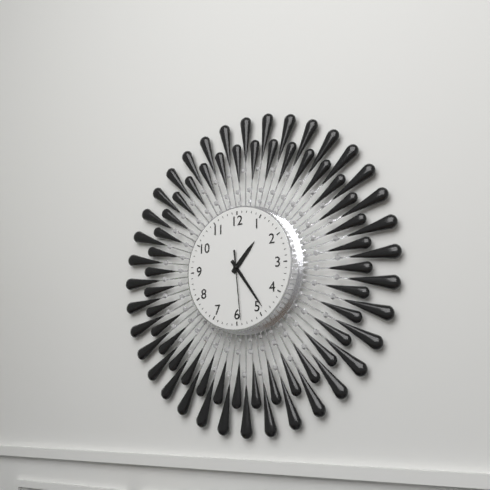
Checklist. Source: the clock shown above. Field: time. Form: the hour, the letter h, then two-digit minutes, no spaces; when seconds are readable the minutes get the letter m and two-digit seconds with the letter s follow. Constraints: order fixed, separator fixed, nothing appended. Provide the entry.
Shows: 1h24m29s
